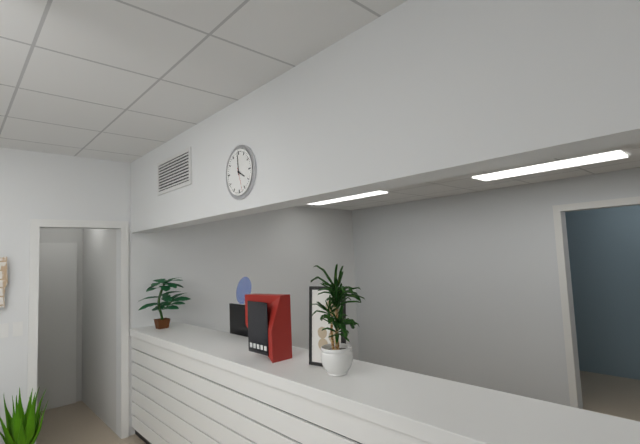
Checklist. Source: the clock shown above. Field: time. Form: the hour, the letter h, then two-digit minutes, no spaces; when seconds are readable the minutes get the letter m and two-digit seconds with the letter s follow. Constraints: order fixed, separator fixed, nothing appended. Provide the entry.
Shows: 3h59
